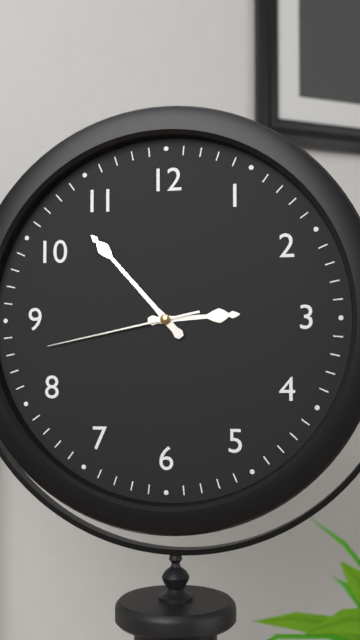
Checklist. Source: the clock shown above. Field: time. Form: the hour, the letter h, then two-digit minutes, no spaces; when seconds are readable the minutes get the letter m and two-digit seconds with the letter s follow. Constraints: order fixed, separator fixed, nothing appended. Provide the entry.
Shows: 2h53m43s
